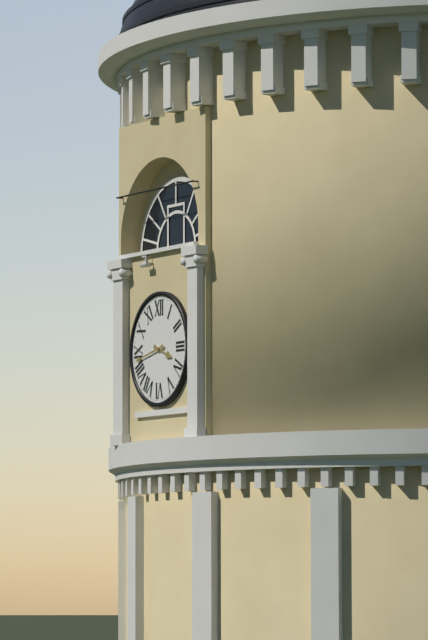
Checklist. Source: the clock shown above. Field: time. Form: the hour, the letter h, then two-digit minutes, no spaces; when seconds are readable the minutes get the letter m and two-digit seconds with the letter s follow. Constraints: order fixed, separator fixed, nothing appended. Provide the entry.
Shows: 3h43
